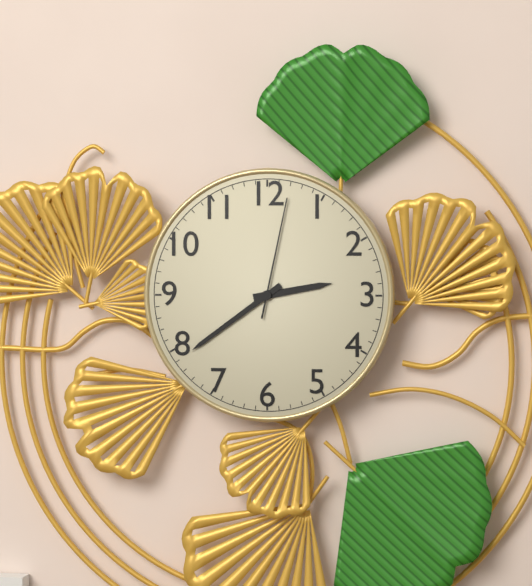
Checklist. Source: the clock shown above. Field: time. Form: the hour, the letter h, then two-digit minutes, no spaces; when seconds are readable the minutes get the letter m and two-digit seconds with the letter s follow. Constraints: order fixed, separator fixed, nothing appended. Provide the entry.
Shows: 2h39m02s
